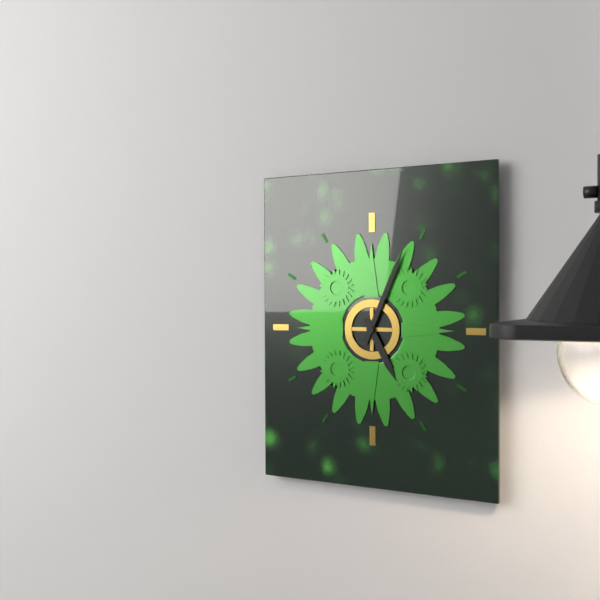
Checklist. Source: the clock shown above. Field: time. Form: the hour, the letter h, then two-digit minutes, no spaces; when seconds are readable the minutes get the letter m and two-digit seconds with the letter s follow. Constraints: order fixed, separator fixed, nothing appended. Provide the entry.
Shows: 5h04
